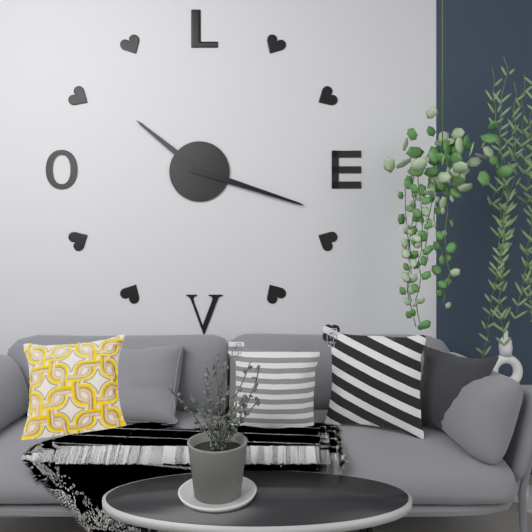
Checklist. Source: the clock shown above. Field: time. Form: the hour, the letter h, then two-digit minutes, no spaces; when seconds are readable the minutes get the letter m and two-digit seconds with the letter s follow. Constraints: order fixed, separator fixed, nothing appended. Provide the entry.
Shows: 10h18
